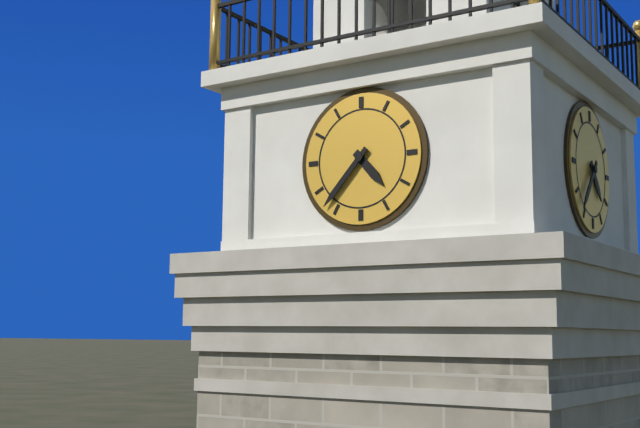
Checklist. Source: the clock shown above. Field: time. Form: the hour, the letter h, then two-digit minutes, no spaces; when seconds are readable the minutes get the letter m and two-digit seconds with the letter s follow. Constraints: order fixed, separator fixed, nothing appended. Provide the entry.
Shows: 4h37
